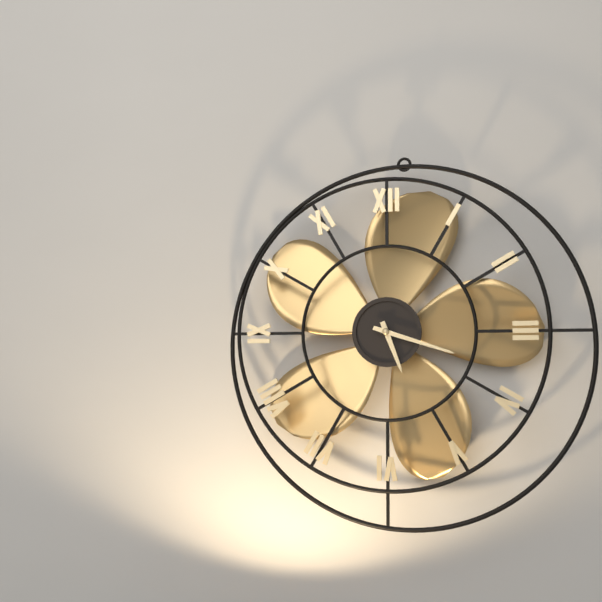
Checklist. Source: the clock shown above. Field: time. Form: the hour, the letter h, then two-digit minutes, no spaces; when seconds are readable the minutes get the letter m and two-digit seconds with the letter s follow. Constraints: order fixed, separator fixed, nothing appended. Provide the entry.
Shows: 5h18
